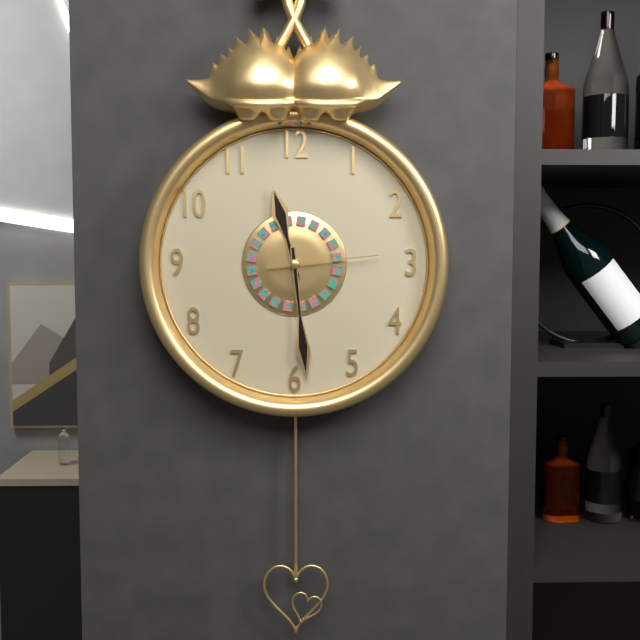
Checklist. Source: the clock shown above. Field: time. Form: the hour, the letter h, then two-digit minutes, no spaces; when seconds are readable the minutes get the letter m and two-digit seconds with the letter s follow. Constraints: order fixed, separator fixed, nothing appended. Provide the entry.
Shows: 11h29m14s
